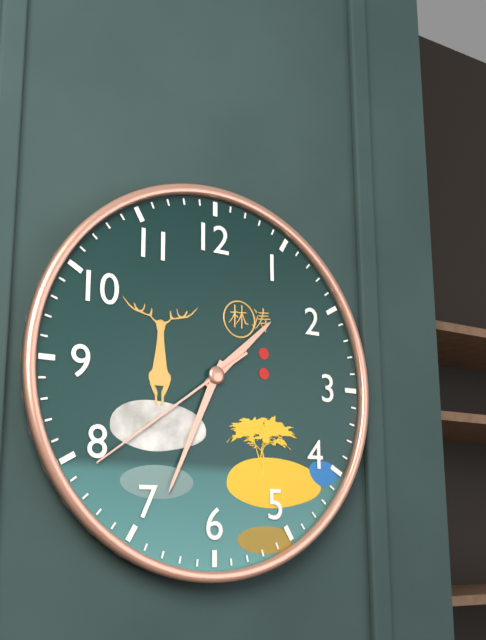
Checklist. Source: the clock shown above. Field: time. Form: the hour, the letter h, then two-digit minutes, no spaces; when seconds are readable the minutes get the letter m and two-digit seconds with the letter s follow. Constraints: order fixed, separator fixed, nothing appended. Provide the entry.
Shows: 1h34m39s
